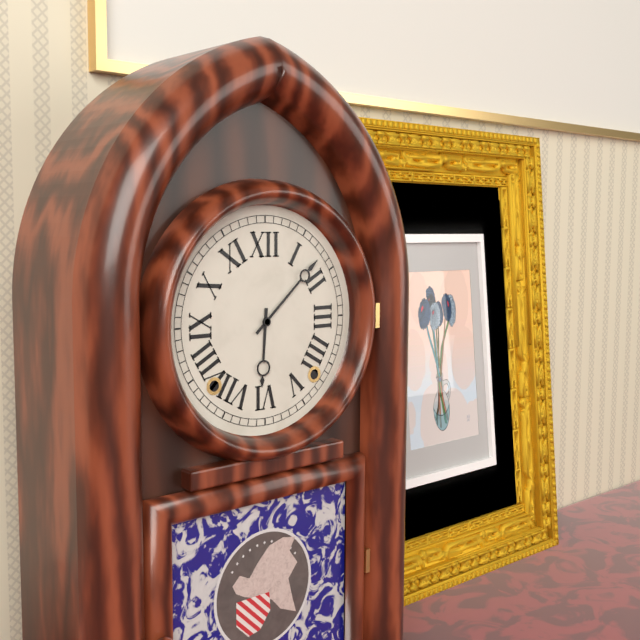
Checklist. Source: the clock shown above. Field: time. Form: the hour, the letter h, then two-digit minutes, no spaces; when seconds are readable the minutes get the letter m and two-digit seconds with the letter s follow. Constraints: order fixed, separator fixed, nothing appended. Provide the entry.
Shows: 6h08
